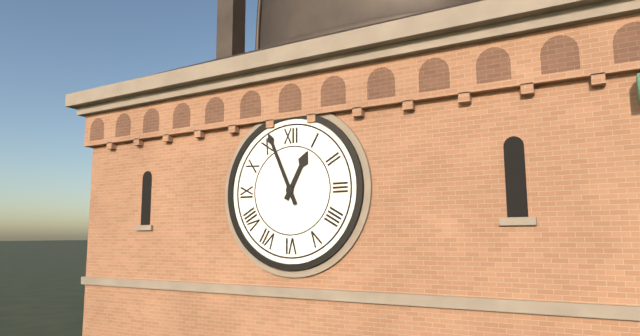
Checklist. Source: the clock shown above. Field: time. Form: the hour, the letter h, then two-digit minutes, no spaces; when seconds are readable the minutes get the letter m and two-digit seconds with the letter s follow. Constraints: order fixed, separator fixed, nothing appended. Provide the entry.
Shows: 12h56
